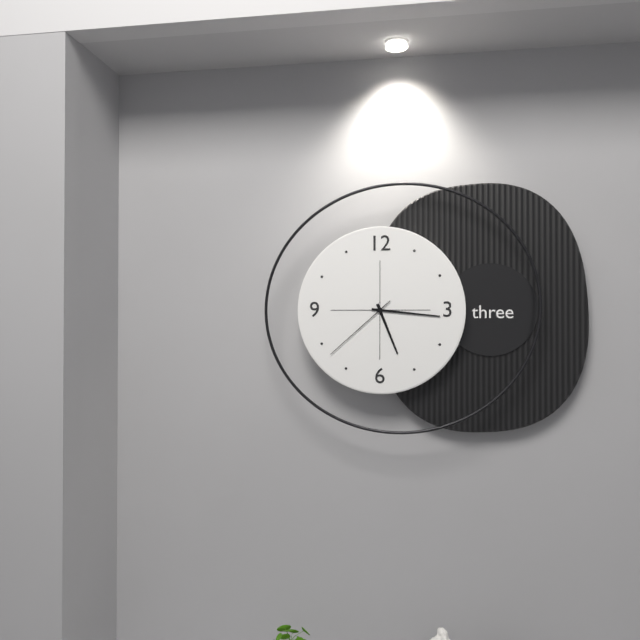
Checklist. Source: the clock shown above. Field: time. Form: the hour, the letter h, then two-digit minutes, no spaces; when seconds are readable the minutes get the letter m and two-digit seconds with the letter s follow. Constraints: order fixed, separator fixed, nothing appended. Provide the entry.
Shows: 5h16m38s
